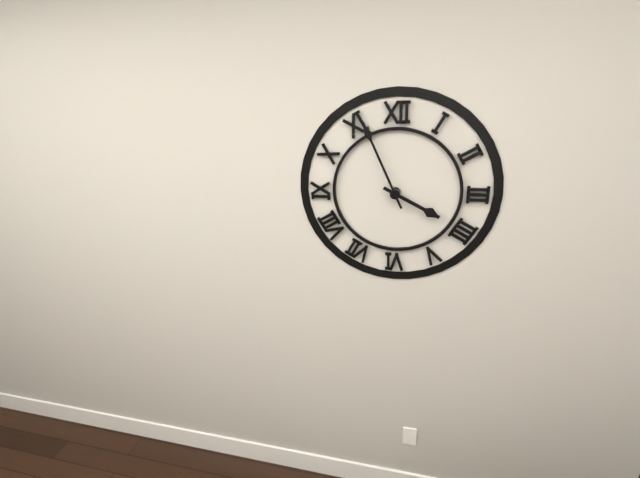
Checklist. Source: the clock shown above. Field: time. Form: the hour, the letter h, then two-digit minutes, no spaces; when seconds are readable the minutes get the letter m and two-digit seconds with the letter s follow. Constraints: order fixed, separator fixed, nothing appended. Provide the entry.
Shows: 3h56
